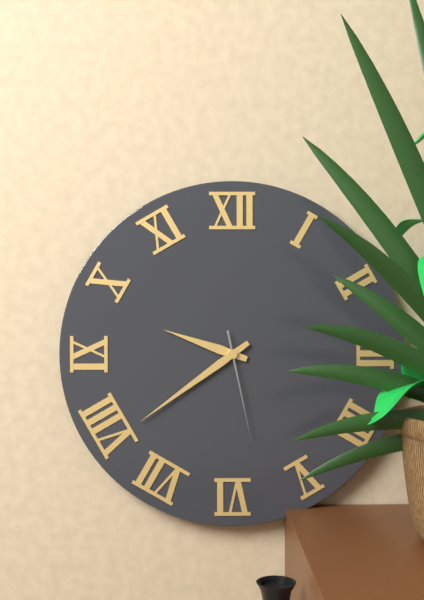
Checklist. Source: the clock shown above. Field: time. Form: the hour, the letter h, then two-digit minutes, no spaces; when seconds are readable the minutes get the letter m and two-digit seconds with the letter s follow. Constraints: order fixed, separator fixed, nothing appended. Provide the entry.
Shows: 9h39m28s
